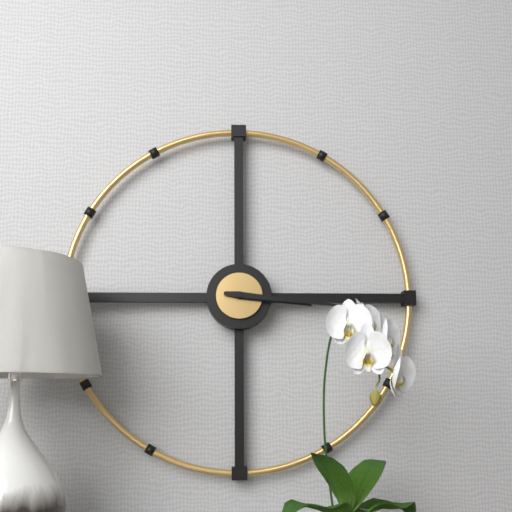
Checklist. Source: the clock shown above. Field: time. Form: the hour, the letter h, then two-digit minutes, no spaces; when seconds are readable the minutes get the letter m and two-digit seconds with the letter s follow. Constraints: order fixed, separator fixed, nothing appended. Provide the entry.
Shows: 3h16
